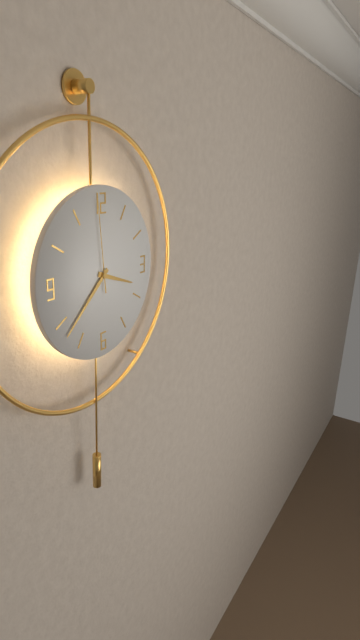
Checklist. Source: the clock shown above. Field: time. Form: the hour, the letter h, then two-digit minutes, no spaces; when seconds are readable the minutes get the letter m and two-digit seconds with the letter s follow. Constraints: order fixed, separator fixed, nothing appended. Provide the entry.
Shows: 3h38m59s
